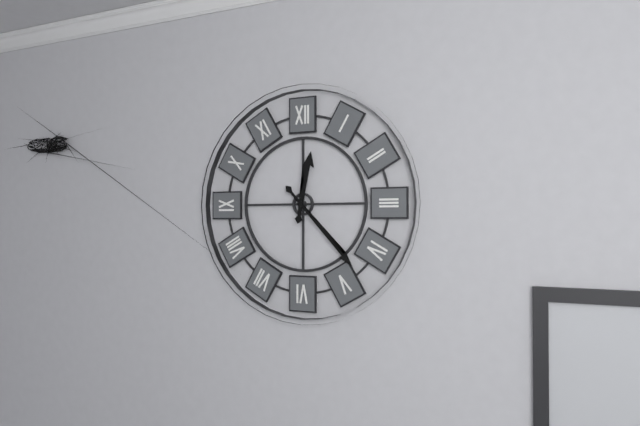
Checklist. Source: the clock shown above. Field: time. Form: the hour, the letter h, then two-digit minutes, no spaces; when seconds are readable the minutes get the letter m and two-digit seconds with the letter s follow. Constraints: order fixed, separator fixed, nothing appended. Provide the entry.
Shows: 12h23
